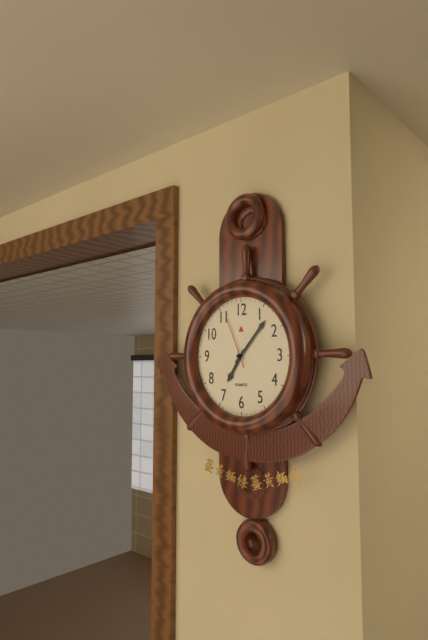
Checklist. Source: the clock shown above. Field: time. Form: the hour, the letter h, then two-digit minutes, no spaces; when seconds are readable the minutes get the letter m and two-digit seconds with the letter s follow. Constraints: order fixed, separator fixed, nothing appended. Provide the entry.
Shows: 7h07m56s
